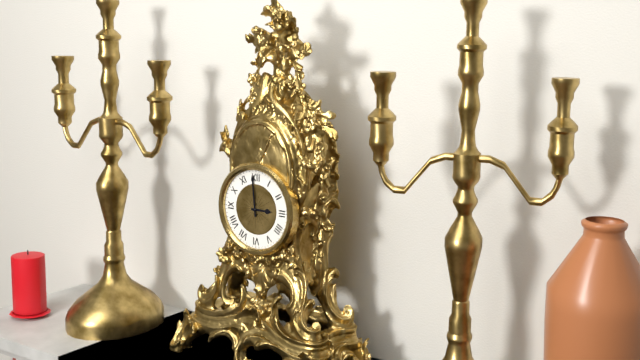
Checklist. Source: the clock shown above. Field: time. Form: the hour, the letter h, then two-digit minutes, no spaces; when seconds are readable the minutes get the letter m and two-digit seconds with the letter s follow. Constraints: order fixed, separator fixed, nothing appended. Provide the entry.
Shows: 2h59
